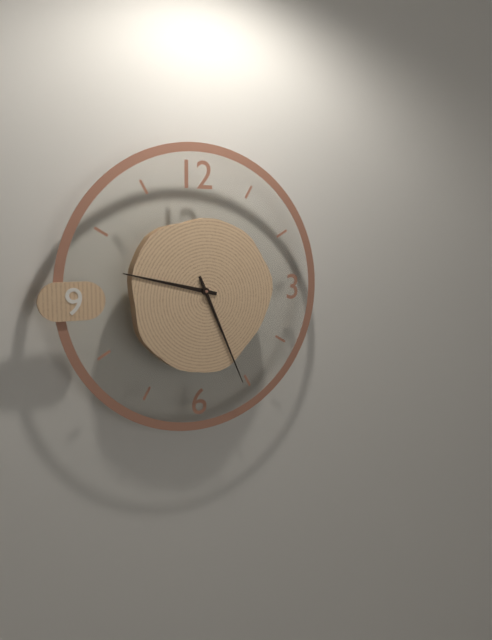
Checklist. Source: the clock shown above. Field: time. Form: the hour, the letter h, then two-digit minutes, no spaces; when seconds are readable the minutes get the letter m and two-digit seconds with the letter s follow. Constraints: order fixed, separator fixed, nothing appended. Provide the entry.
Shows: 9h26
